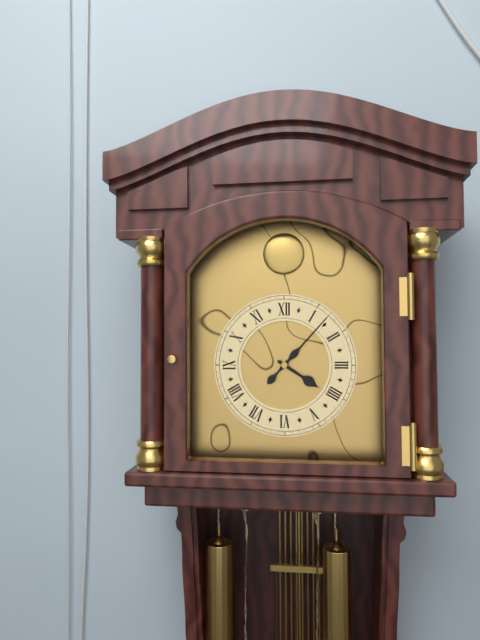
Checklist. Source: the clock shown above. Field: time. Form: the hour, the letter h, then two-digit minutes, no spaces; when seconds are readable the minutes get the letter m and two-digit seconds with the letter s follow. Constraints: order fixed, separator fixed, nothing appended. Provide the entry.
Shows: 4h07
